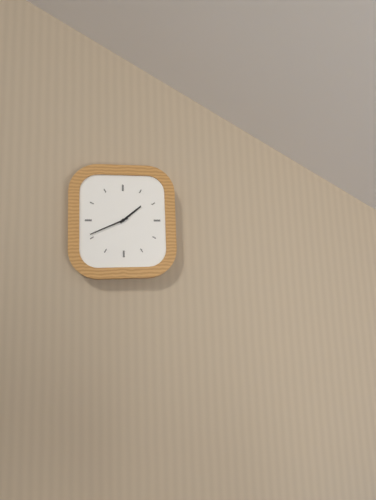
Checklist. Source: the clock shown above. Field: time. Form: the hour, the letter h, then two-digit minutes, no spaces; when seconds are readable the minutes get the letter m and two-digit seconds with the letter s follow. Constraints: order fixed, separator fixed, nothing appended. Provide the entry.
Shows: 1h41
